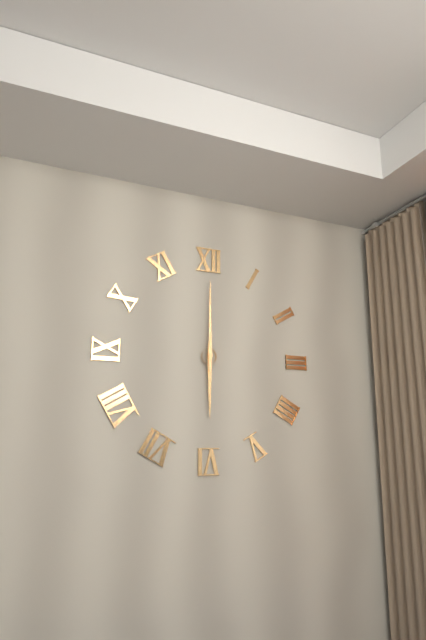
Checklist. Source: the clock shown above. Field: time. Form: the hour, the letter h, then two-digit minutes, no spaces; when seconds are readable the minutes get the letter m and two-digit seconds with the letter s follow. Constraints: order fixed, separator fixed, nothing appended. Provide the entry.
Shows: 6h00
